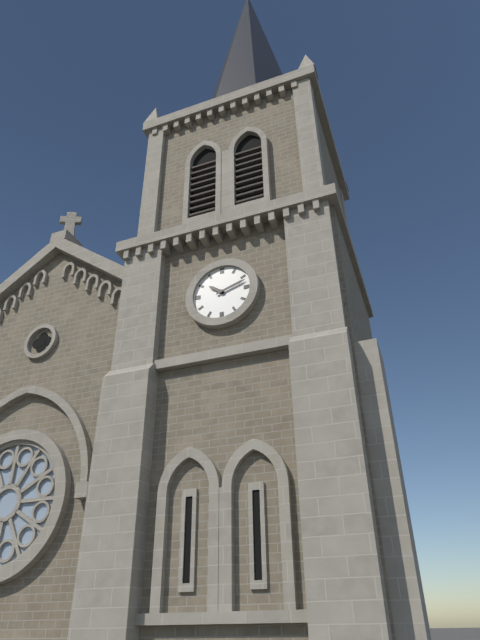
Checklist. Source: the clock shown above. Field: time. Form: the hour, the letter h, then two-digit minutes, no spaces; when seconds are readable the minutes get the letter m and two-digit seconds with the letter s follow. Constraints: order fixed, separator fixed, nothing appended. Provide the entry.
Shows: 10h12
